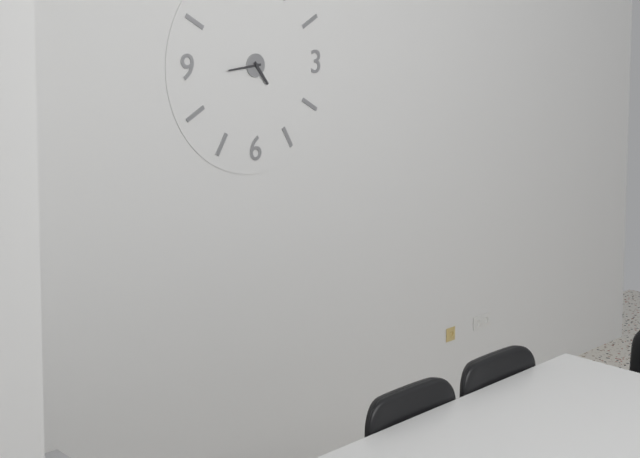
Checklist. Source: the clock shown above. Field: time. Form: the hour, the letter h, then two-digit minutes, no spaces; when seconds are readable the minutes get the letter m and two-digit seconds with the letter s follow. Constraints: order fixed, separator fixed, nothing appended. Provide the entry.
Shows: 4h44
